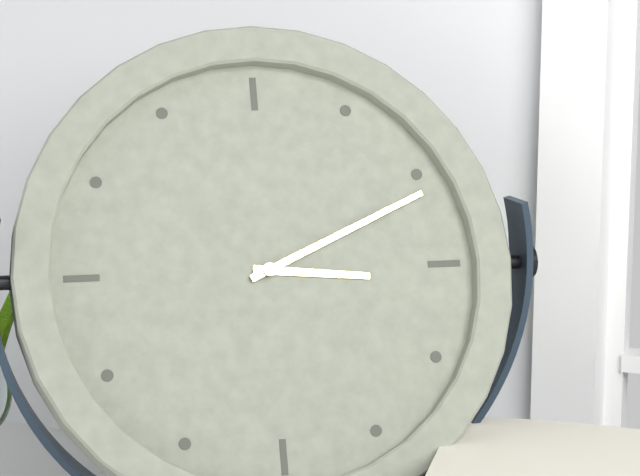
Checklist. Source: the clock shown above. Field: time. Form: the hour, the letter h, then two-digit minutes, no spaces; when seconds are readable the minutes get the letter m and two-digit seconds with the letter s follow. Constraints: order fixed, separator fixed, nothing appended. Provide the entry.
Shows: 3h11
